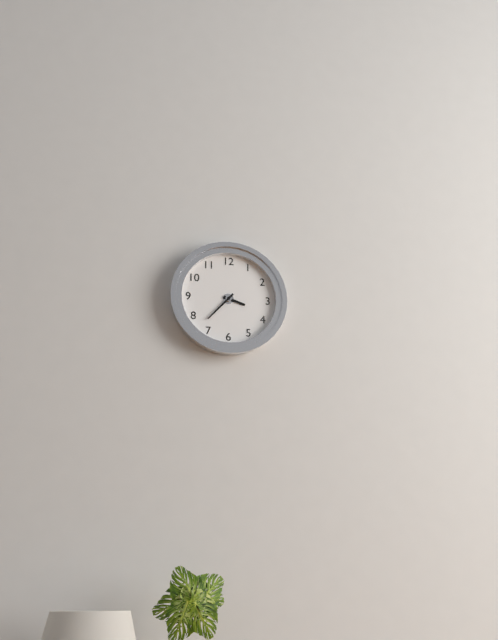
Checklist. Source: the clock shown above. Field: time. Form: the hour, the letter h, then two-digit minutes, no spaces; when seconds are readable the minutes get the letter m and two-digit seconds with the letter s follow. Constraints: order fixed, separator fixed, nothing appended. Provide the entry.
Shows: 3h37
